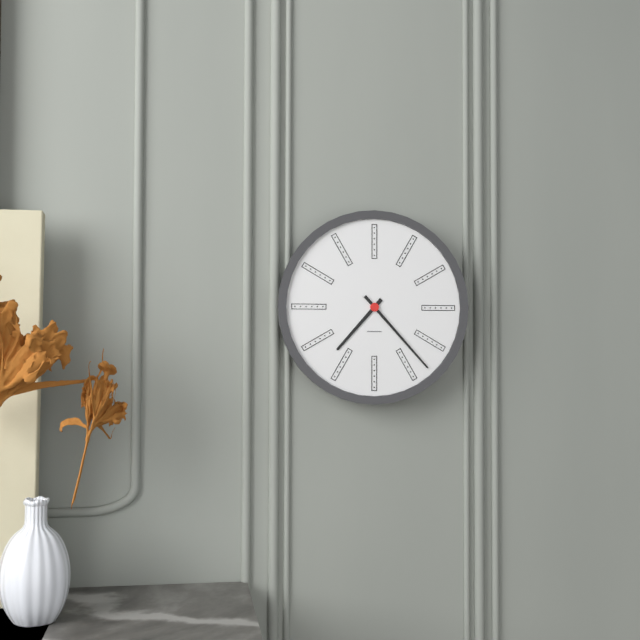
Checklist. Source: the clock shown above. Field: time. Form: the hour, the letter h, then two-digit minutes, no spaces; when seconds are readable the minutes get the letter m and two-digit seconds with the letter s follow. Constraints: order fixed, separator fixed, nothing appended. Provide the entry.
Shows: 7h23
